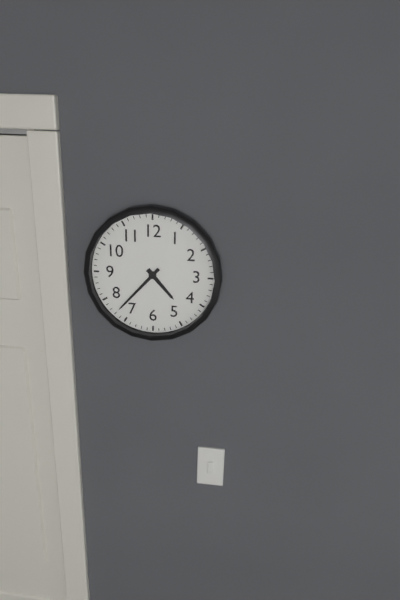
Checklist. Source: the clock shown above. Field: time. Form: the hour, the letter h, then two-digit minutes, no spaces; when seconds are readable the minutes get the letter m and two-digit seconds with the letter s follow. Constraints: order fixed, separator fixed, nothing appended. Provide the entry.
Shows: 4h37
